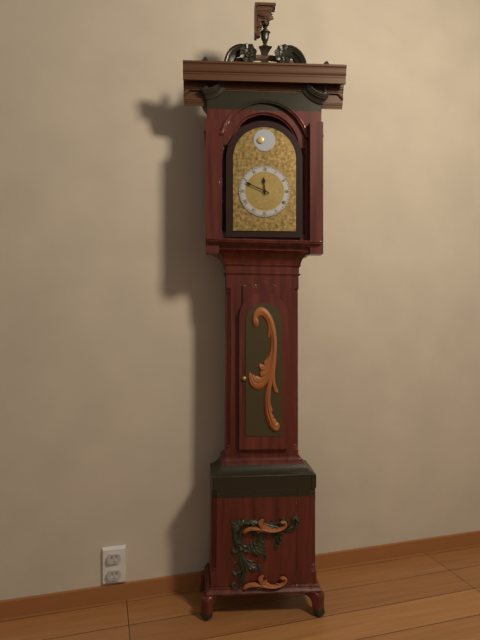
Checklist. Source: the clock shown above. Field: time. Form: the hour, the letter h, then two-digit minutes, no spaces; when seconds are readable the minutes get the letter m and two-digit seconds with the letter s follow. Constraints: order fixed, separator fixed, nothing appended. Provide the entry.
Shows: 11h49
